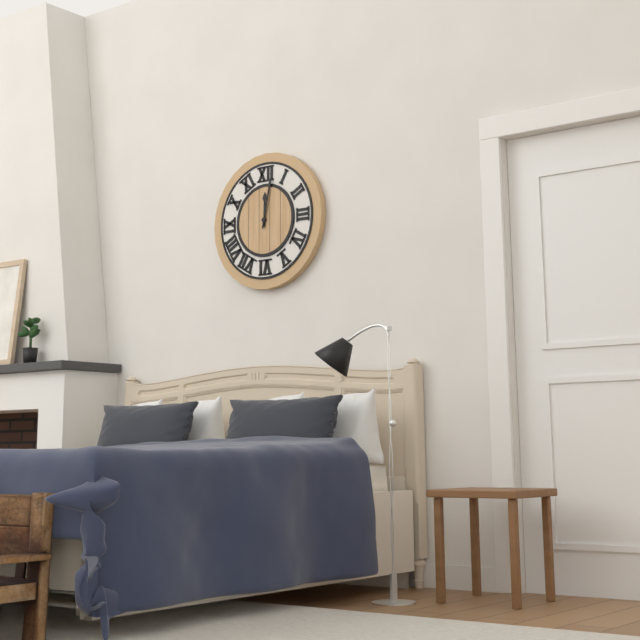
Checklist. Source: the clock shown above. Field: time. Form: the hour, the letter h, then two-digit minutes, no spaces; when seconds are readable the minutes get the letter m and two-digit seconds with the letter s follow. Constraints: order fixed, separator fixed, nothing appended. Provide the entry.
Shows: 12h02
